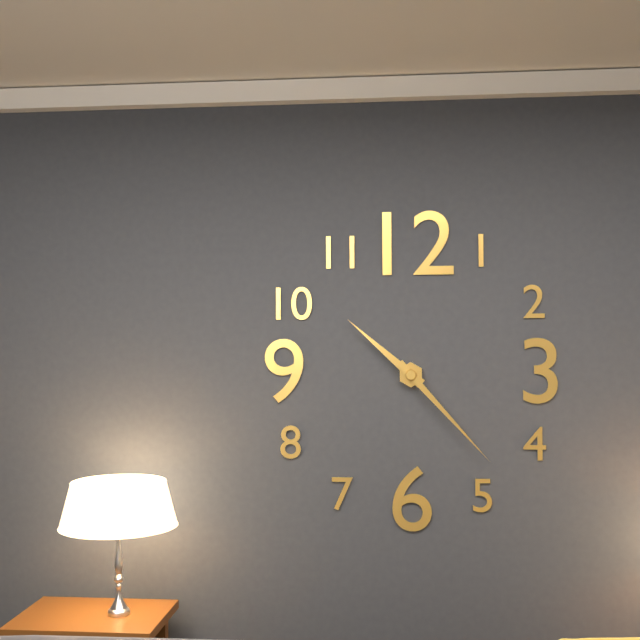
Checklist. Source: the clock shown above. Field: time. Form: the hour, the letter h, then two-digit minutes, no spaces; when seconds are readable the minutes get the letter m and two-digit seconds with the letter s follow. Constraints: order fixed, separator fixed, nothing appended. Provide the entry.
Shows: 10h23
